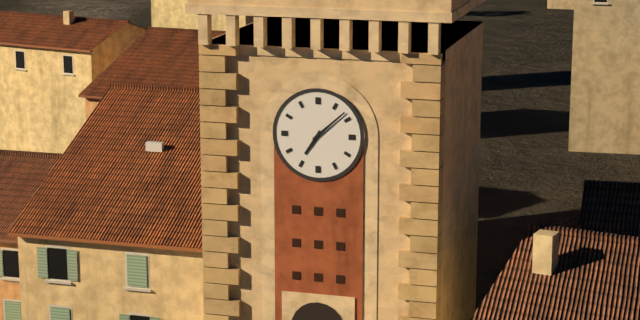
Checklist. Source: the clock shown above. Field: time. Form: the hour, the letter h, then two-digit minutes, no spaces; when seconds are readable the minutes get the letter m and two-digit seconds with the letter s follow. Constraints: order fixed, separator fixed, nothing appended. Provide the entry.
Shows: 7h08
